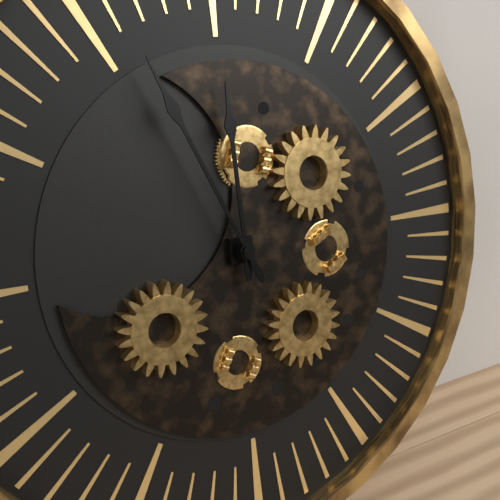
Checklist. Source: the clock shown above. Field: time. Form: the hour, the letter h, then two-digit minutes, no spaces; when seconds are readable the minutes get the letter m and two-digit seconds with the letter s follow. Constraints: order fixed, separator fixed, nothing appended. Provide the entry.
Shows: 11h56
